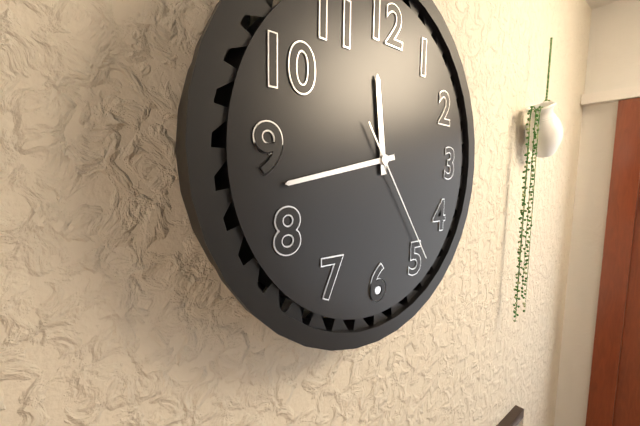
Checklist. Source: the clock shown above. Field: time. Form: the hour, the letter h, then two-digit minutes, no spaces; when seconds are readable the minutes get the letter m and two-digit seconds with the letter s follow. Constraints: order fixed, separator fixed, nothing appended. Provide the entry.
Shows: 11h43m24s
